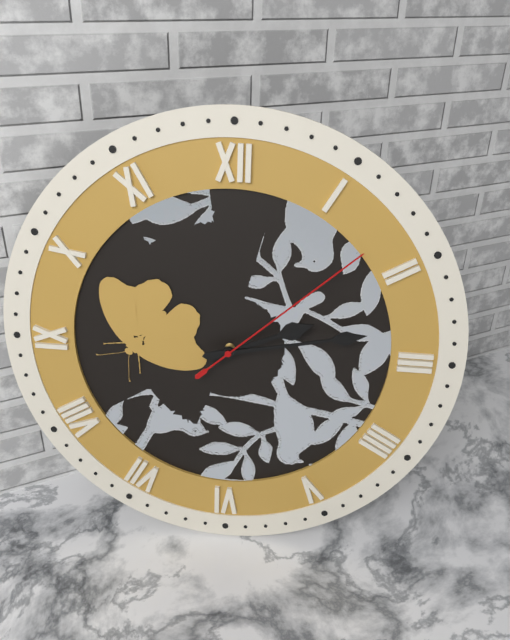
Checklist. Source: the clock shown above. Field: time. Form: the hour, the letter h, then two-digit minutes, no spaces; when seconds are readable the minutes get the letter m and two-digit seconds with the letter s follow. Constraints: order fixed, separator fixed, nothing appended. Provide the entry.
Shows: 2h13m08s
